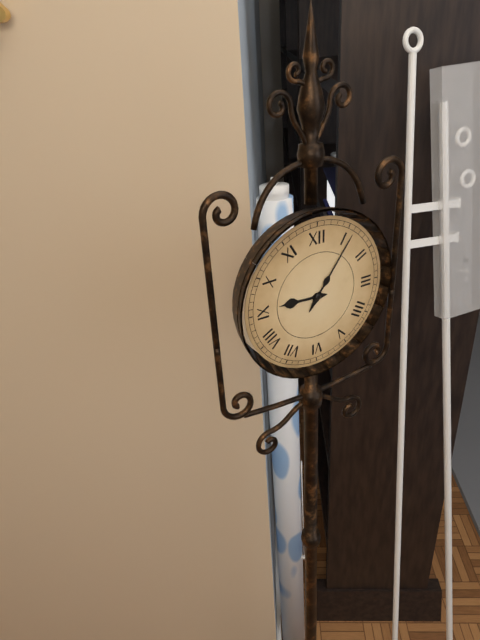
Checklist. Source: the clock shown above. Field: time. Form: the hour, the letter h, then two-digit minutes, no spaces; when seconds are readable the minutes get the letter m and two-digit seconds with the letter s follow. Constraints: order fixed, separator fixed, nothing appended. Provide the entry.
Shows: 9h06
